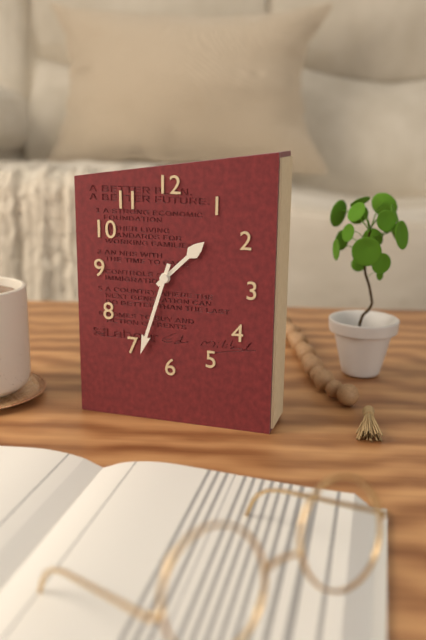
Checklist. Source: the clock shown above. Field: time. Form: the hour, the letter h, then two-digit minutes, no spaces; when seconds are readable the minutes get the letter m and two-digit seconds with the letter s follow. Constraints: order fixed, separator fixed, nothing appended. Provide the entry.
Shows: 1h33
